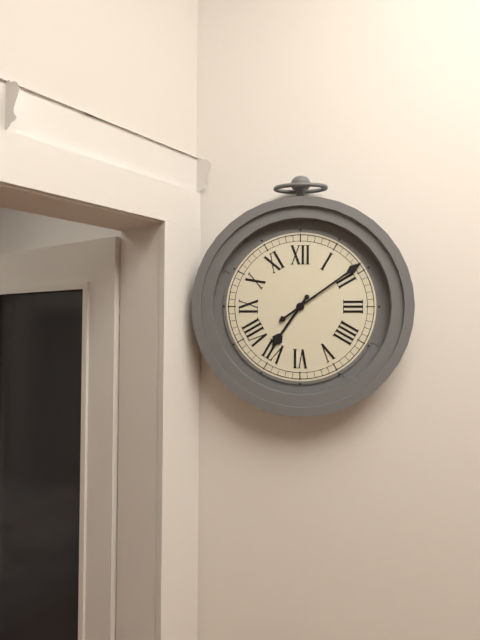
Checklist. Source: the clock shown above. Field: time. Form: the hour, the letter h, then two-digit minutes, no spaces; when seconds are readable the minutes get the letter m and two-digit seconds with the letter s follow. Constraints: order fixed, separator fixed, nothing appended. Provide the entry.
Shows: 7h09
